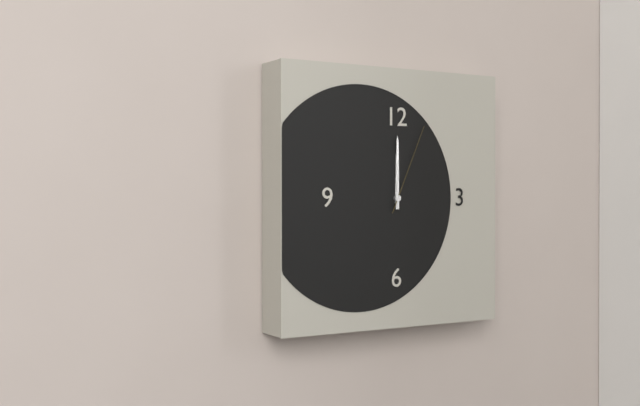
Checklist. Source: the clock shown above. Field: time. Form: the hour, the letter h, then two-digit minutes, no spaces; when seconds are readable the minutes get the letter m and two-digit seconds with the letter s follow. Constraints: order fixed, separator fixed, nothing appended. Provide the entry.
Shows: 12h00m04s
